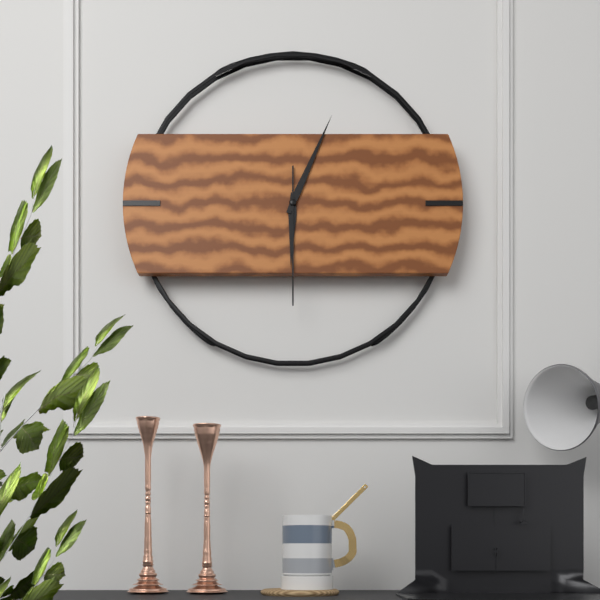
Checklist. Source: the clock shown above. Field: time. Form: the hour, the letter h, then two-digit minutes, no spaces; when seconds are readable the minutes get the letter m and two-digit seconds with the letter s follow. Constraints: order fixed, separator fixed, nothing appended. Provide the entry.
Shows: 6h04m30s
